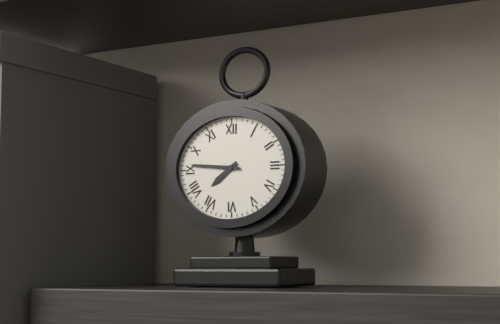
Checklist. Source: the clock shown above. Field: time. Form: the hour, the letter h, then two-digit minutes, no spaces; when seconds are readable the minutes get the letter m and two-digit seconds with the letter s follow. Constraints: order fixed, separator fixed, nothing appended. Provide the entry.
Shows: 7h46
